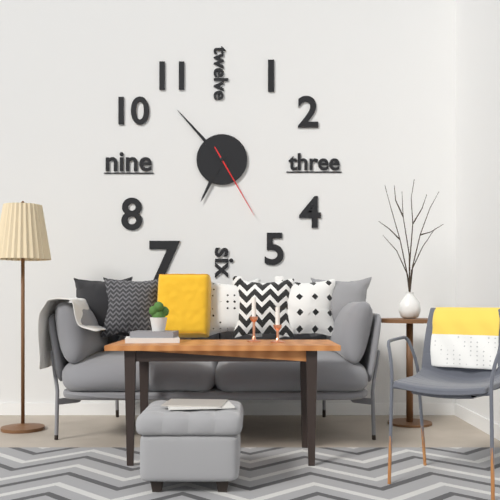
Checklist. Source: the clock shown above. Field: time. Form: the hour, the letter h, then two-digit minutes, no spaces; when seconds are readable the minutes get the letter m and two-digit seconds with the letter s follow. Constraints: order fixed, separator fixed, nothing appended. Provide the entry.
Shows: 6h53m25s
